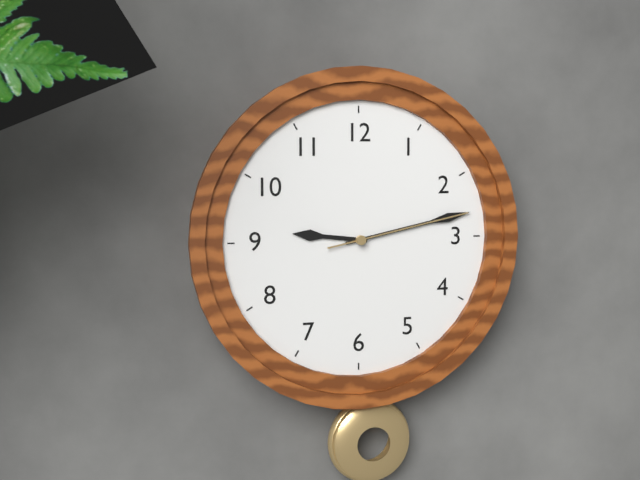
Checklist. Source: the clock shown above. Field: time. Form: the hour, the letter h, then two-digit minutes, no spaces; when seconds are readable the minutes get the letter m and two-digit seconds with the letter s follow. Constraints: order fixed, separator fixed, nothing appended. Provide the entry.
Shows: 9h13m13s
